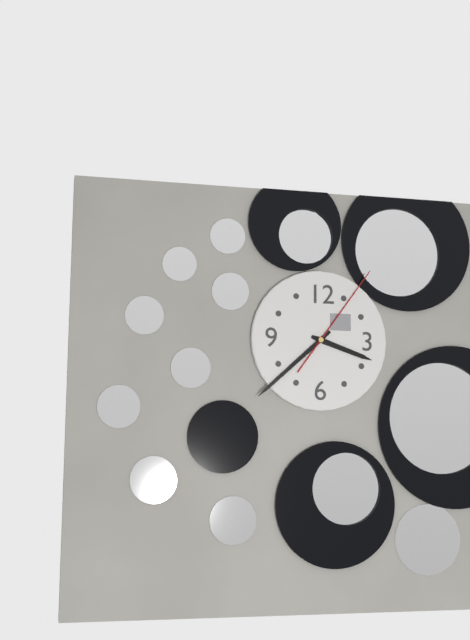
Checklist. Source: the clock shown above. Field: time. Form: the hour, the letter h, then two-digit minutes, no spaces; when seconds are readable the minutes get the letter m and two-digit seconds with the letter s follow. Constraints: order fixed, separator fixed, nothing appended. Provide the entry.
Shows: 3h38m06s
